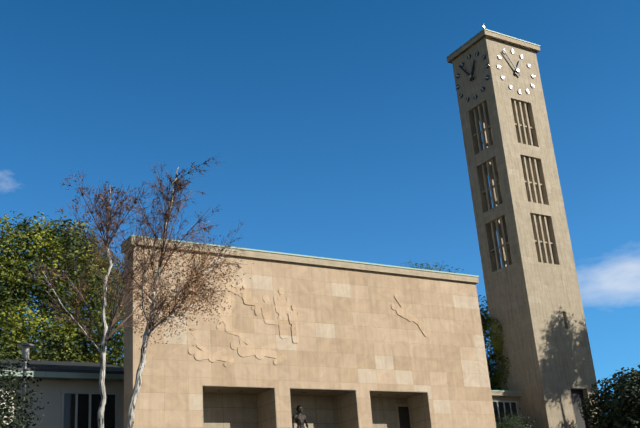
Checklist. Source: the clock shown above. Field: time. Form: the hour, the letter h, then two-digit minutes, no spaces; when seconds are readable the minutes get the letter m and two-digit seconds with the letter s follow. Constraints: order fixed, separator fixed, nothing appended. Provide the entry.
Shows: 12h54
